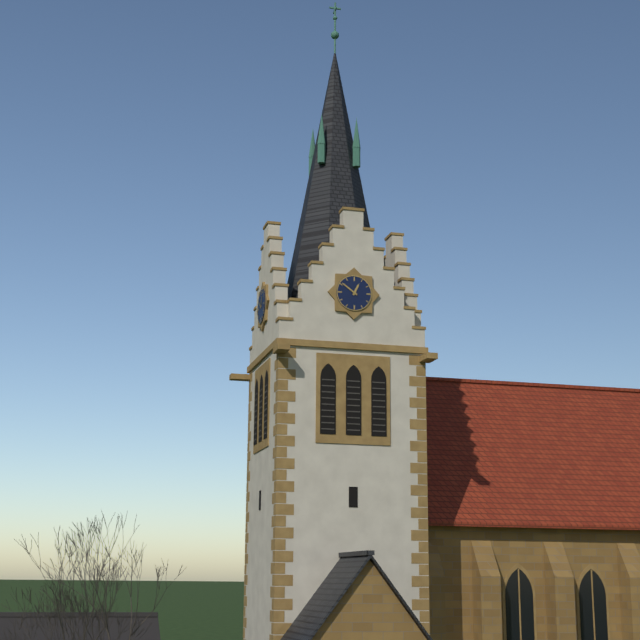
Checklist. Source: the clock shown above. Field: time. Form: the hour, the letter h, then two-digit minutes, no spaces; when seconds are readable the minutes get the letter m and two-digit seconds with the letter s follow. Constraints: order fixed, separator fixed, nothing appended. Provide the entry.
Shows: 12h51
